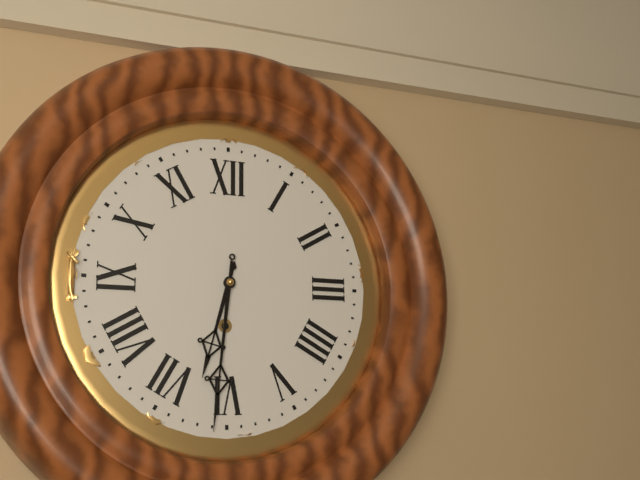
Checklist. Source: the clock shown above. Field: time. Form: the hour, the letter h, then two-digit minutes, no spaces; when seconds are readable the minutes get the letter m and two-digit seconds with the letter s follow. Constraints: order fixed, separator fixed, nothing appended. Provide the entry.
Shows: 6h31
